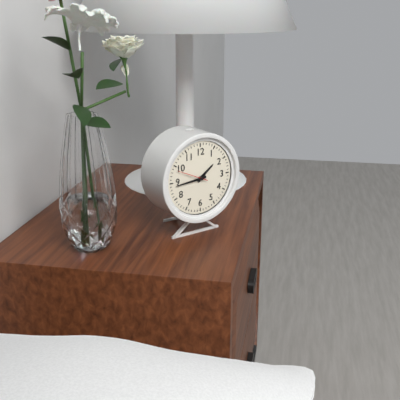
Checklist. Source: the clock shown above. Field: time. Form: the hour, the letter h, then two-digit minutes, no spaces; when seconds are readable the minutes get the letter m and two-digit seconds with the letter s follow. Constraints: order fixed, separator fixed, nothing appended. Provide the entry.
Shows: 1h44
